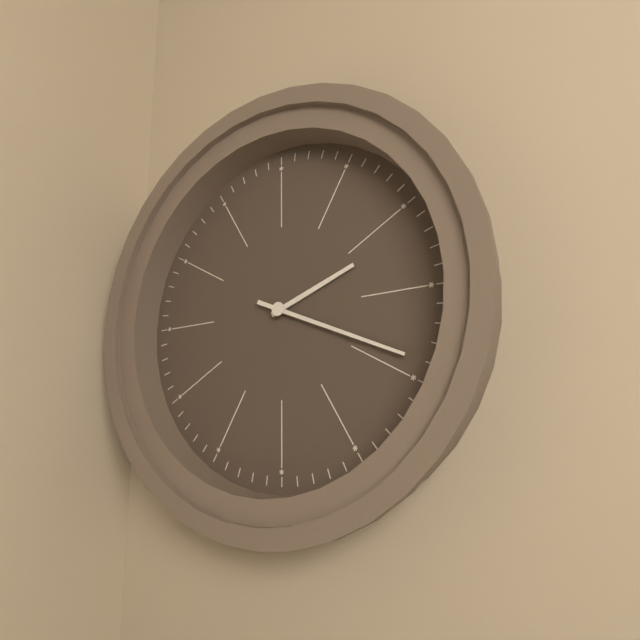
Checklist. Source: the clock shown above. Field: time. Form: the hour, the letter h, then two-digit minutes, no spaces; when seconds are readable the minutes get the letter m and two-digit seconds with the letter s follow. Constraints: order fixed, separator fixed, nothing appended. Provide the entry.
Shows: 2h19
